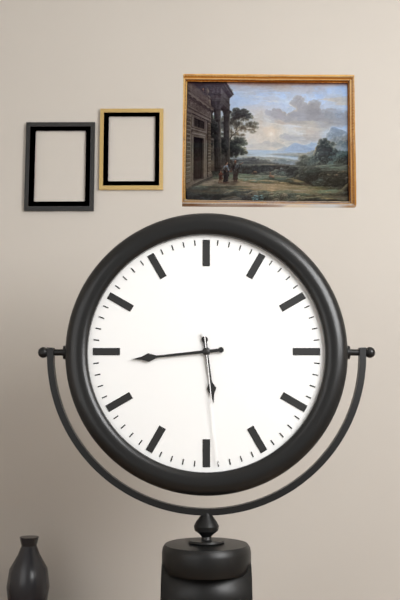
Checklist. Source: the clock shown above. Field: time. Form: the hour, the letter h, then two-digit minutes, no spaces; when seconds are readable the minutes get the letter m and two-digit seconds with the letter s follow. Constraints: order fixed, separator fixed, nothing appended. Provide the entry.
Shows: 5h44m29s
